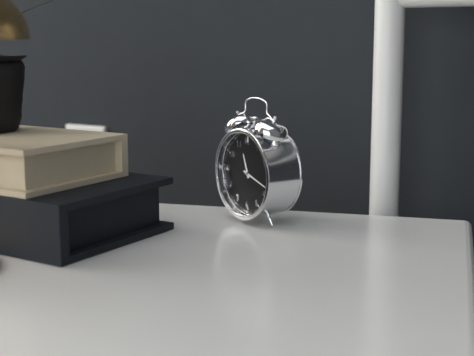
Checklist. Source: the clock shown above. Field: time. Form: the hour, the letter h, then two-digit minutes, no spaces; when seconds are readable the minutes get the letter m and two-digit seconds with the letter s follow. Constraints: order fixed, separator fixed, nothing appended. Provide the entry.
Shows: 11h18
